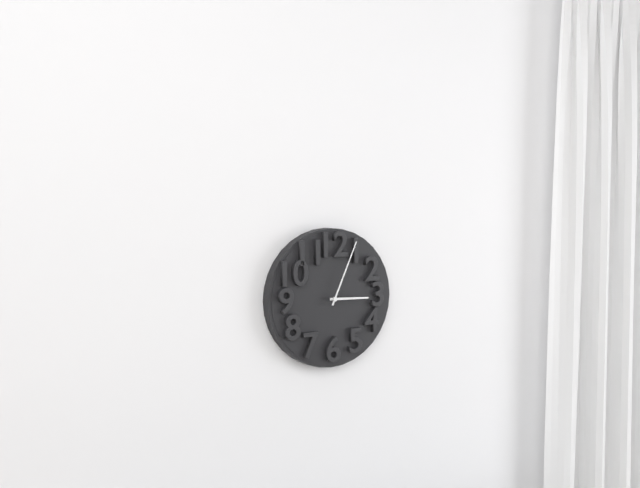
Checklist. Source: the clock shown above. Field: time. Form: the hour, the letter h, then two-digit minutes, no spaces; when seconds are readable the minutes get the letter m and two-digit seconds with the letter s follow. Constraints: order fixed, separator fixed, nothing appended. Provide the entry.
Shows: 3h04
